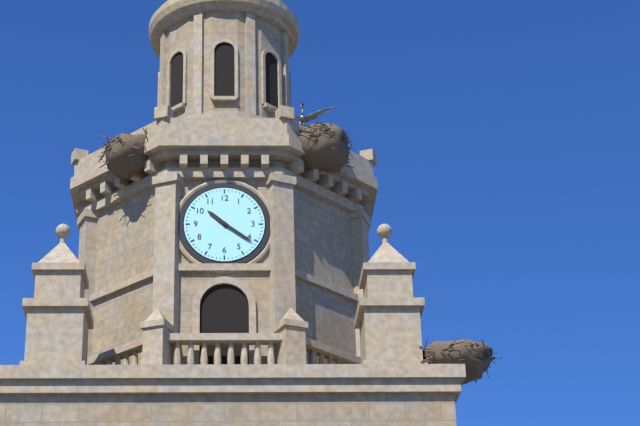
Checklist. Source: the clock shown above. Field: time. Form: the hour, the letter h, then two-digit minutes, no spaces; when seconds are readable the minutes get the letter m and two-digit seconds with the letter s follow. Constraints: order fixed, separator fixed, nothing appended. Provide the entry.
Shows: 10h21
